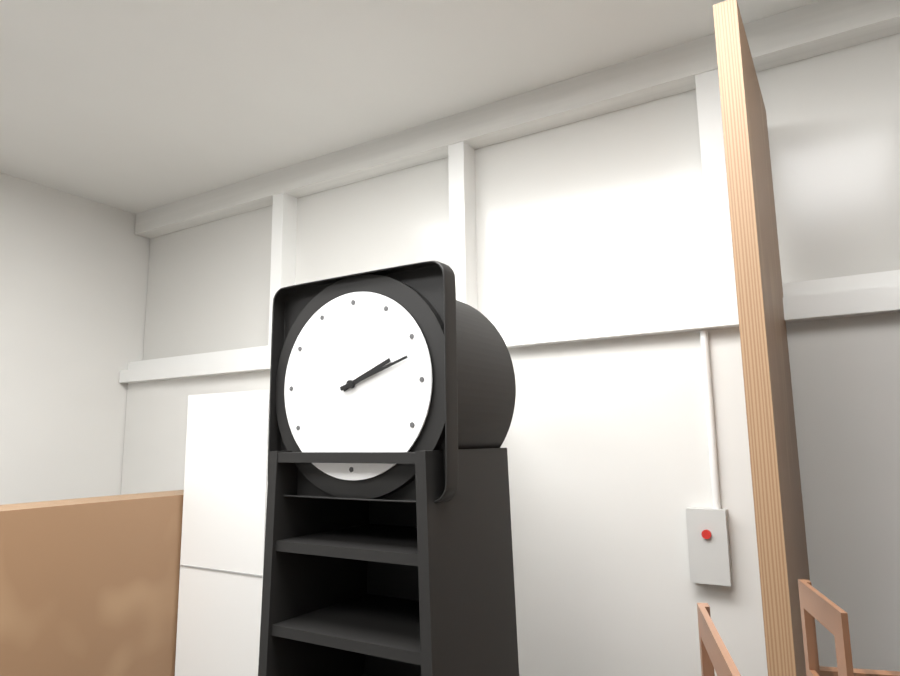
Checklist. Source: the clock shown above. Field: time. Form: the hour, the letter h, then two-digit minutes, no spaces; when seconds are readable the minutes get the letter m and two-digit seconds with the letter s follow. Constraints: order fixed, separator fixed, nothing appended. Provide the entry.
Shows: 2h12
